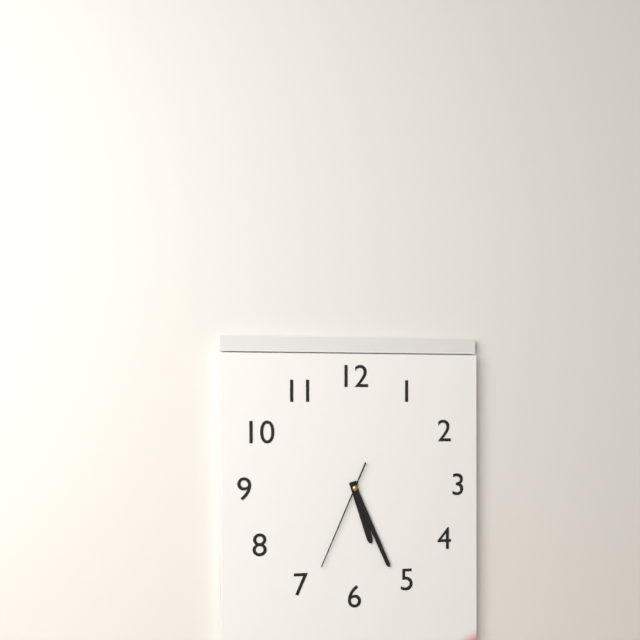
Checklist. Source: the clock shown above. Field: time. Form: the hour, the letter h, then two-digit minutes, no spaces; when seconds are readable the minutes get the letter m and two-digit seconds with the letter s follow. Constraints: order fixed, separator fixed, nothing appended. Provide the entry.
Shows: 5h26m34s
